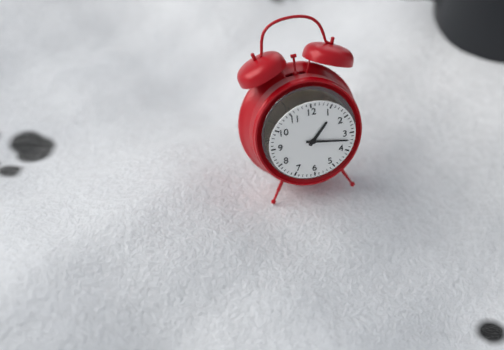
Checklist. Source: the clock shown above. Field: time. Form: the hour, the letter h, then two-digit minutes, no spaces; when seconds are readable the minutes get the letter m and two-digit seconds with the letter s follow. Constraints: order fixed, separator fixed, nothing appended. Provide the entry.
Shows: 1h17
